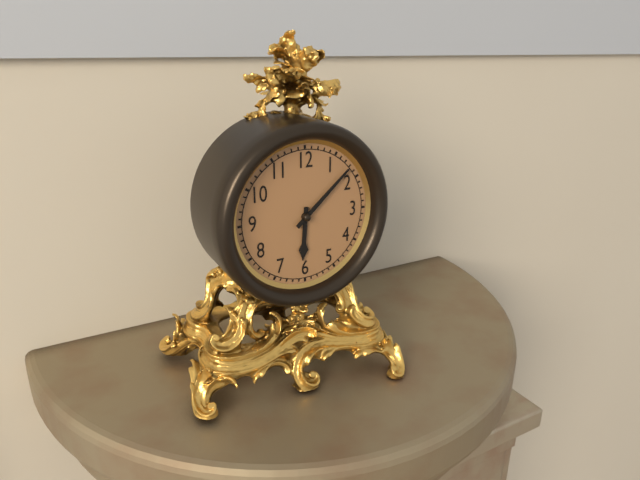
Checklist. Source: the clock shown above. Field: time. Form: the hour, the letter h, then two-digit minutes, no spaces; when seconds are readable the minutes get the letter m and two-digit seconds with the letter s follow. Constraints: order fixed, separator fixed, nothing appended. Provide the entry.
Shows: 6h08
